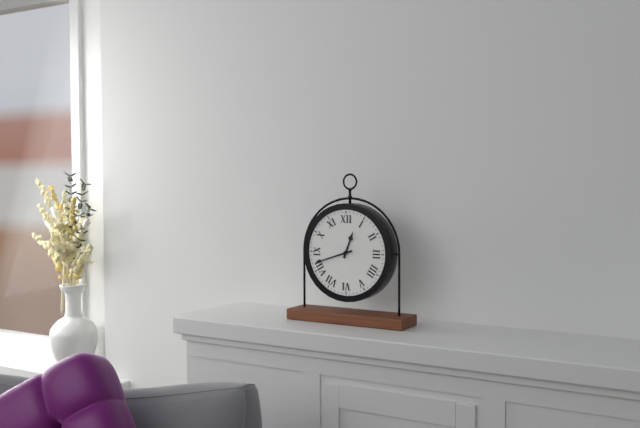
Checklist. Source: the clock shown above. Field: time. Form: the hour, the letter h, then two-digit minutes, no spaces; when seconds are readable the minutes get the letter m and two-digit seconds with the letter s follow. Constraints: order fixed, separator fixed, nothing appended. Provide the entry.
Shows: 12h42
